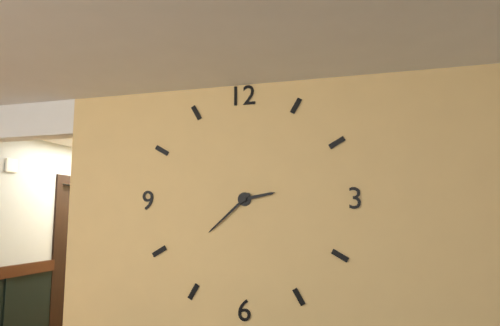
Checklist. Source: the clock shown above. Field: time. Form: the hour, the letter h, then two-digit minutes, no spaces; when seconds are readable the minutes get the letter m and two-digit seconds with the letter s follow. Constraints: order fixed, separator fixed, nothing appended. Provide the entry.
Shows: 2h38
